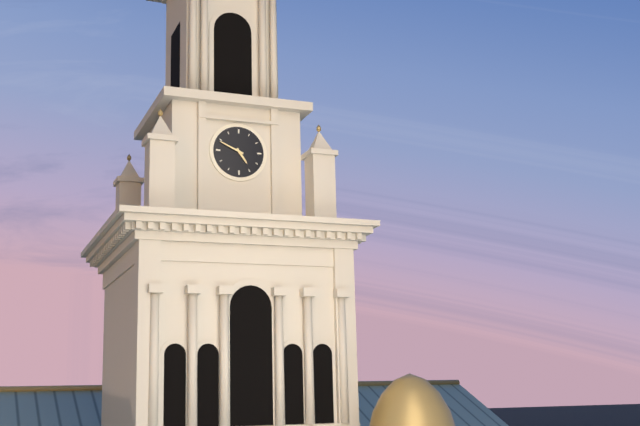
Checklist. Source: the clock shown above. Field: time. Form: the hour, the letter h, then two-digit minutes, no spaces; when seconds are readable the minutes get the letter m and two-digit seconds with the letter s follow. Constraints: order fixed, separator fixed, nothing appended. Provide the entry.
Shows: 4h49
